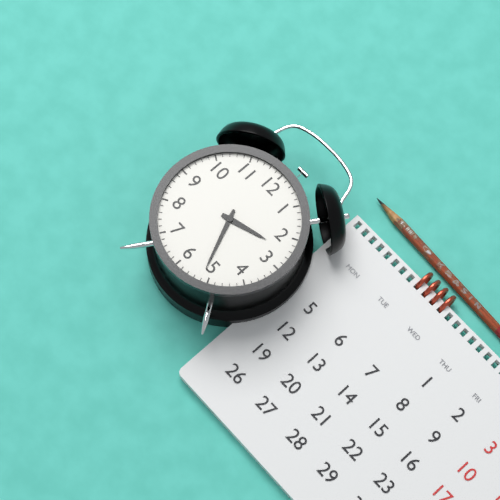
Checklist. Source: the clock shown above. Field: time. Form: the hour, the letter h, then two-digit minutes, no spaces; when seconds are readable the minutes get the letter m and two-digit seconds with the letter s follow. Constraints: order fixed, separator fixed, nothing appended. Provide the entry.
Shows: 2h26
